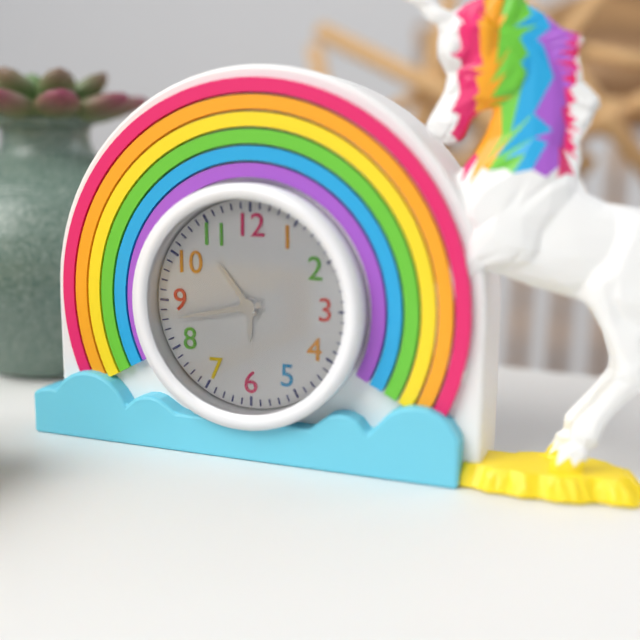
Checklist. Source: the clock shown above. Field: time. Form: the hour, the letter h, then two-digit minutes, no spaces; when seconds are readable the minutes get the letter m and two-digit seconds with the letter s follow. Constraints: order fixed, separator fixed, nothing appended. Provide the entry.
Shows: 10h43
